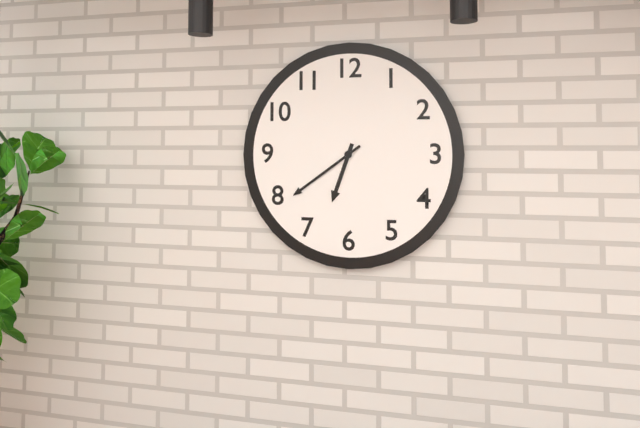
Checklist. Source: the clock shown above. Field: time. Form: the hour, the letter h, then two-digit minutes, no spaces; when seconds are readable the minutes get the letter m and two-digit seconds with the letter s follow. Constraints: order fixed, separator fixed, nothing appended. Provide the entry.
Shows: 6h39
